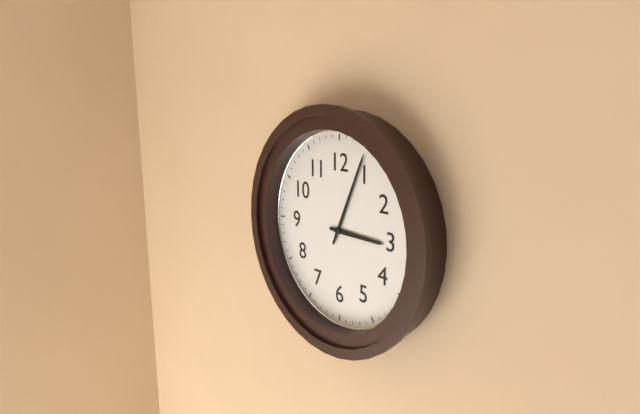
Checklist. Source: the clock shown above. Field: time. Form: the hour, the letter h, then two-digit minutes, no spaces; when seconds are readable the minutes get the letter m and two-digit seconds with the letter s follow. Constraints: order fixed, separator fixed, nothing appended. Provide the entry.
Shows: 3h04
